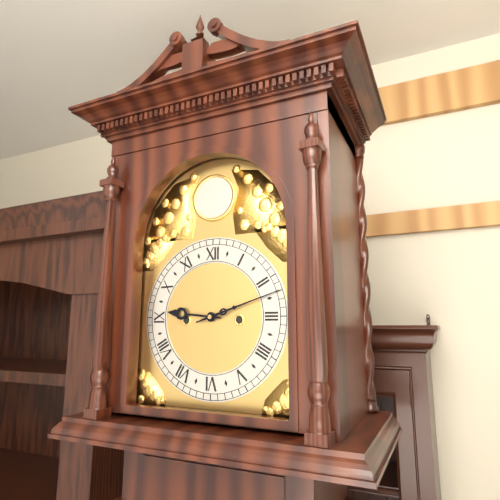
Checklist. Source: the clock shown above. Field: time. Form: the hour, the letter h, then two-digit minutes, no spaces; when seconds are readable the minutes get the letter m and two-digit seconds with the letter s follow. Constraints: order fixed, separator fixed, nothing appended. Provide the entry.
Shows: 9h12
